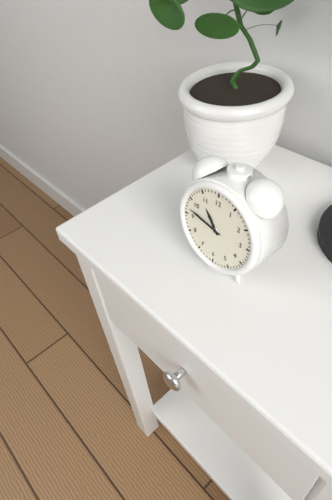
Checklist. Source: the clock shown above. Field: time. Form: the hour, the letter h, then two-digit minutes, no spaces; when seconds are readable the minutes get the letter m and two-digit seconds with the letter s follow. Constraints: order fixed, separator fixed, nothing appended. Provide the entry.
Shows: 10h47
